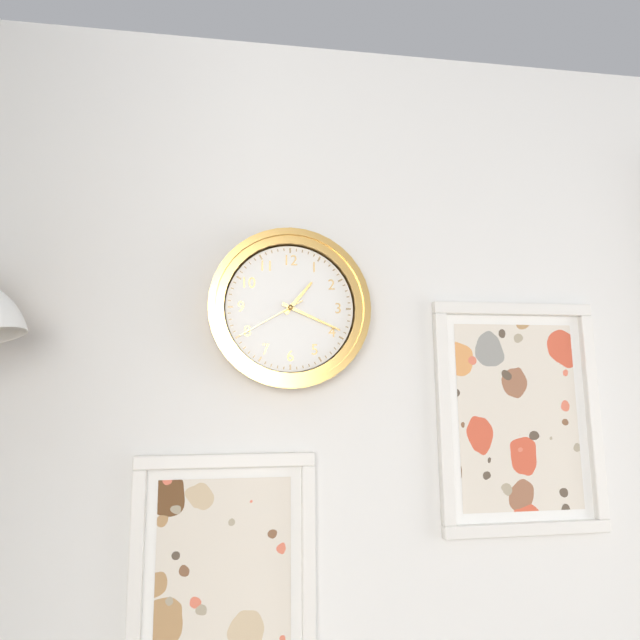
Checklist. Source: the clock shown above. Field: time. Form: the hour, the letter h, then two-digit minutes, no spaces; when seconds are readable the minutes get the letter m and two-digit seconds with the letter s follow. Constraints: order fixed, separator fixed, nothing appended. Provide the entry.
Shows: 1h19m40s
